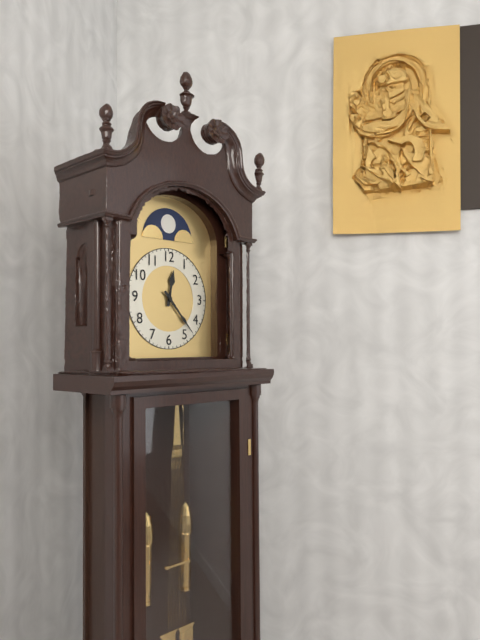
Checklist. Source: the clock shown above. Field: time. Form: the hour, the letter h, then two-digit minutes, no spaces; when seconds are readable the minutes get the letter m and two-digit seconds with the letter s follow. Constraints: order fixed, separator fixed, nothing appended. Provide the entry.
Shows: 12h23
